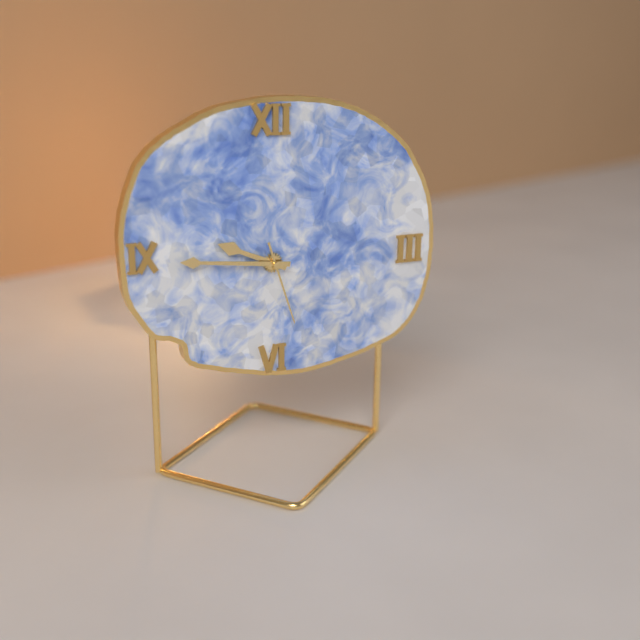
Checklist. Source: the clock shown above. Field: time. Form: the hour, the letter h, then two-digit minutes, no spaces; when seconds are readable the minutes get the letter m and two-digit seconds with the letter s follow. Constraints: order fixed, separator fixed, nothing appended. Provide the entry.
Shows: 9h46m27s
